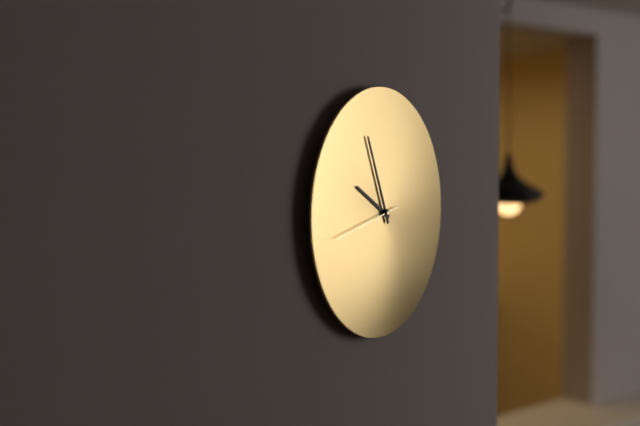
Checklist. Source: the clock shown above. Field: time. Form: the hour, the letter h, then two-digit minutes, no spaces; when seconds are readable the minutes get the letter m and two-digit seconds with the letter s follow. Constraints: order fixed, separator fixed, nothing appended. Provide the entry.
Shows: 9h56m43s
